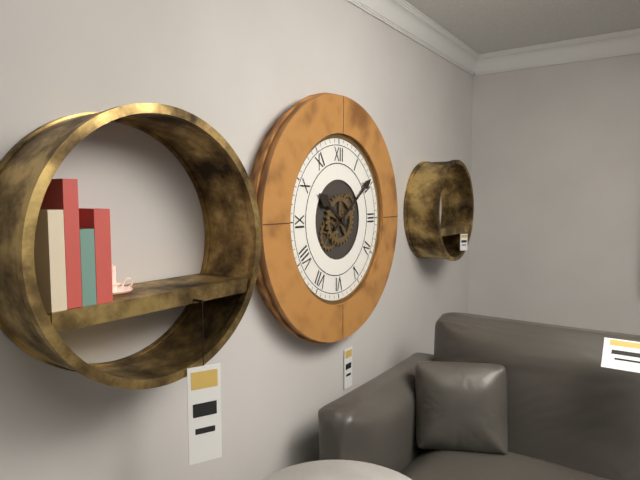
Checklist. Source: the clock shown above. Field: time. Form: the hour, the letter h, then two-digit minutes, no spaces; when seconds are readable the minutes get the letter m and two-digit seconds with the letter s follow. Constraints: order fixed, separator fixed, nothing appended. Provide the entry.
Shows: 10h09
